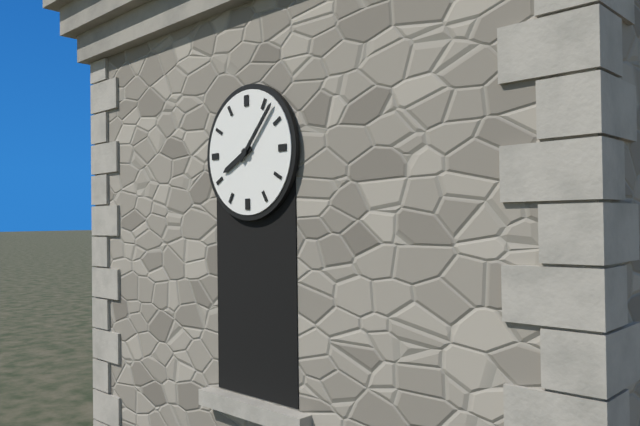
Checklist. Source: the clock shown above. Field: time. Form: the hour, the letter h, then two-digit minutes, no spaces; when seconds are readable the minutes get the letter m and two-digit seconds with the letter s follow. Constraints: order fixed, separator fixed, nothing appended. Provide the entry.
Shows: 8h07
